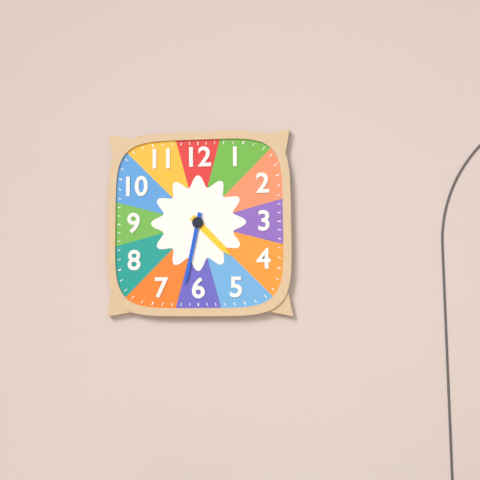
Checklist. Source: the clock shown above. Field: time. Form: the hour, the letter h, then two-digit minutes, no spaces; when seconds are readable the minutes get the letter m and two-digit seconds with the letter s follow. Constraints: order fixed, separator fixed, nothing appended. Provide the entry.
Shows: 4h32
